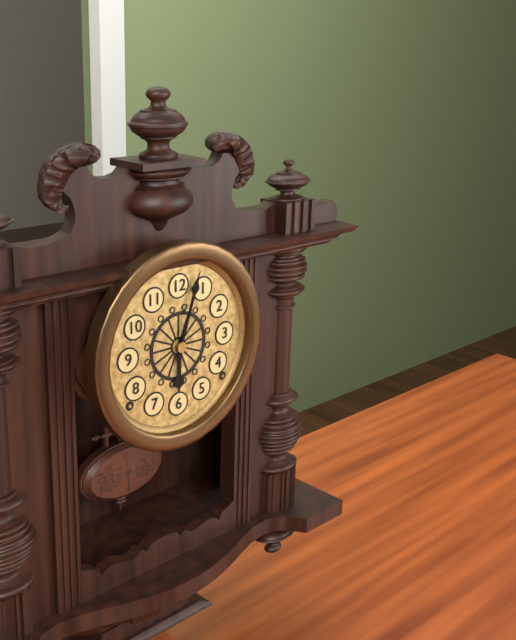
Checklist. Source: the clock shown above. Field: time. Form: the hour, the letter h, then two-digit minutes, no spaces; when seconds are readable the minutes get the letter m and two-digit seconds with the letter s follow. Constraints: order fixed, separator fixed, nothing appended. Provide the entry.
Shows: 6h03
